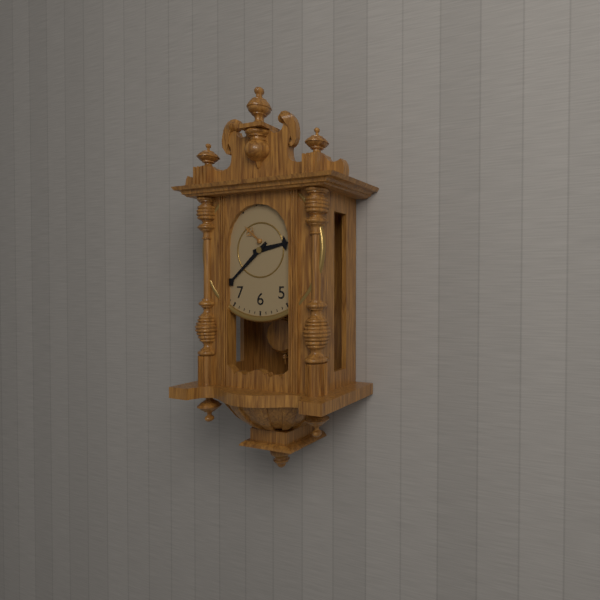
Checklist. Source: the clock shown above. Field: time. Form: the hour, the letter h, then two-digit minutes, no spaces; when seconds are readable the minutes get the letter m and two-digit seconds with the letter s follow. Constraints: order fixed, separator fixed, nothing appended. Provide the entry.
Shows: 2h38
